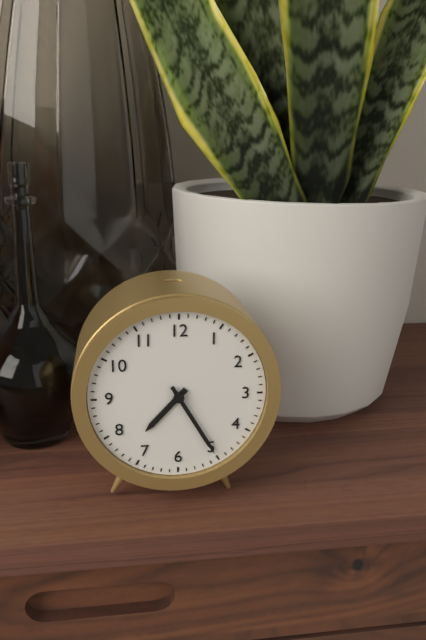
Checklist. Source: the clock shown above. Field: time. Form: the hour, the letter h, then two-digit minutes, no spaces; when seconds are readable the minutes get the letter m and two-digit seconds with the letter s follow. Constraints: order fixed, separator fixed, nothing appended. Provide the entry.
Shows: 7h25
